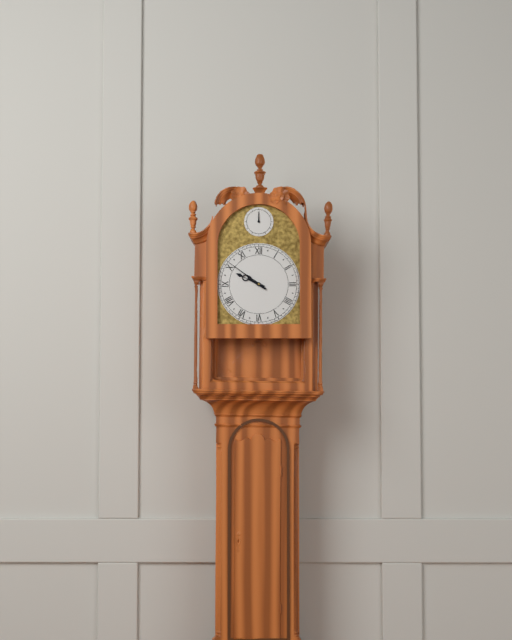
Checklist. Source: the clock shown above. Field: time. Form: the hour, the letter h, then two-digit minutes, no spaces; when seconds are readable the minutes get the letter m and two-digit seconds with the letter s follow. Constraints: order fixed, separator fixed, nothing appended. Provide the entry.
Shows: 9h51
